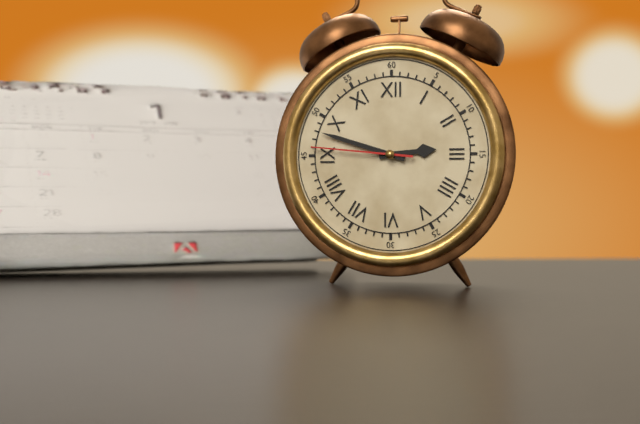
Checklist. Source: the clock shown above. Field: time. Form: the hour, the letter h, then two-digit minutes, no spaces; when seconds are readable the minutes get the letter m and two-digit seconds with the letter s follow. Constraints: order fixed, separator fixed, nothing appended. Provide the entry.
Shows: 2h48m46s
